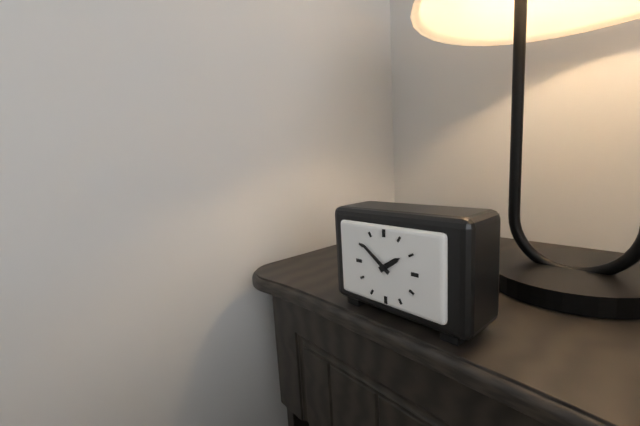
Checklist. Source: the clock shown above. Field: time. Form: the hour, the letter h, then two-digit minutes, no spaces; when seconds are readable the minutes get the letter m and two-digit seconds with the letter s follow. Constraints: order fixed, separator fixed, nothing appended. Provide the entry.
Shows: 1h51
